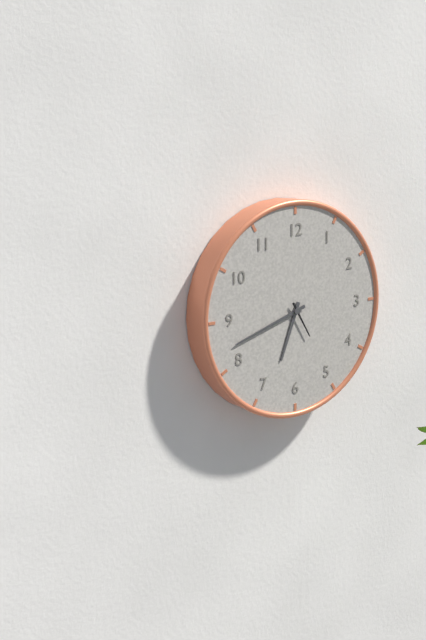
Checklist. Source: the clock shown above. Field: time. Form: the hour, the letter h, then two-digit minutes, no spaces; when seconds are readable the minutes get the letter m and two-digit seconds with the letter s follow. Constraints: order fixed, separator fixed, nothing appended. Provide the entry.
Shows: 6h42
